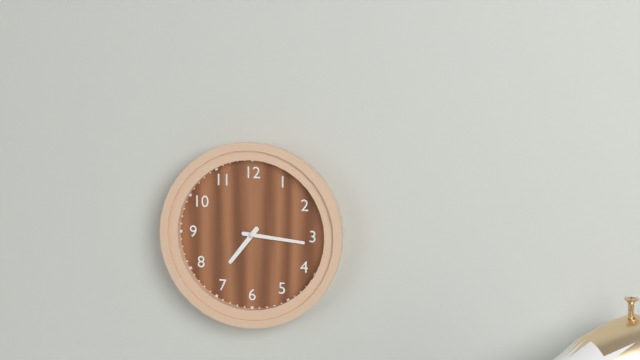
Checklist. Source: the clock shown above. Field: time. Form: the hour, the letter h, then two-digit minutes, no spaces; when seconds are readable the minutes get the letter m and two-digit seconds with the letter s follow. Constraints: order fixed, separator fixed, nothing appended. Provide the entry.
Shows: 7h16
